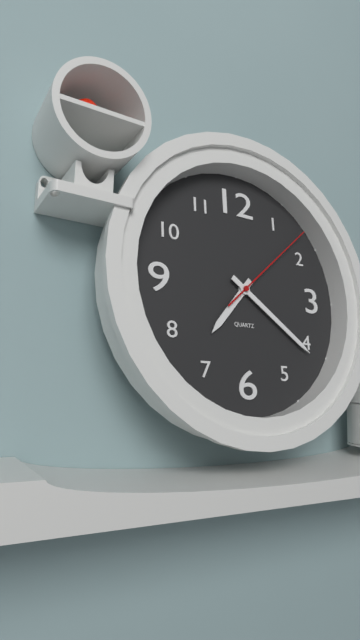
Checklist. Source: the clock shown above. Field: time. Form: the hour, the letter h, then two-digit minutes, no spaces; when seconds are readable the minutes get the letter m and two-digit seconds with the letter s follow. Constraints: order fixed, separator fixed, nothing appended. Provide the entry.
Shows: 7h21m08s
